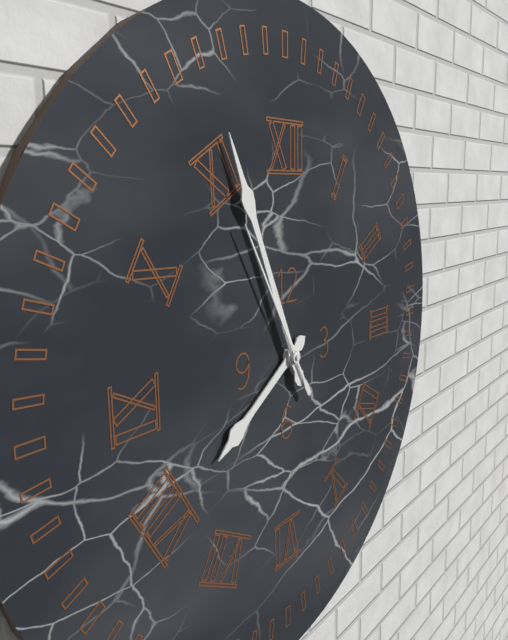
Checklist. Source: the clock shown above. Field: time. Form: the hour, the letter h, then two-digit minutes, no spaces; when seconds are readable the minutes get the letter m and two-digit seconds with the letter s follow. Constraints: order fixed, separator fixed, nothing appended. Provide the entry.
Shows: 7h56m55s
